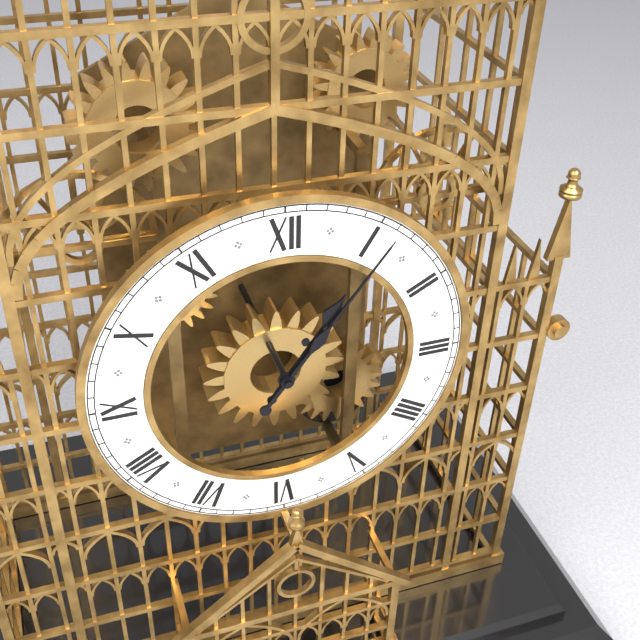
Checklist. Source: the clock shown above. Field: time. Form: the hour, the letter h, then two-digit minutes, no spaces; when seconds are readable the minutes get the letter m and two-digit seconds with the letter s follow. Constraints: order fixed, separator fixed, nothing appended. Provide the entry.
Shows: 1h06
